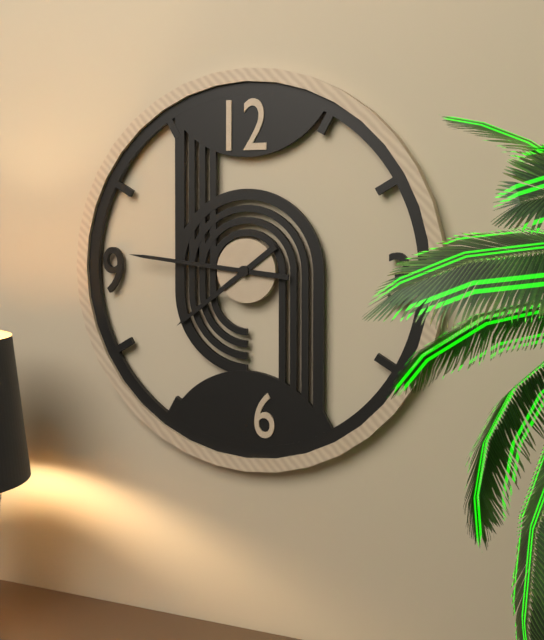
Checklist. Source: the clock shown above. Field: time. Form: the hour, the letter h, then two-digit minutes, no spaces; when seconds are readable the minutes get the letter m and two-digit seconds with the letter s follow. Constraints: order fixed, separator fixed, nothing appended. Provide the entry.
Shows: 7h46
